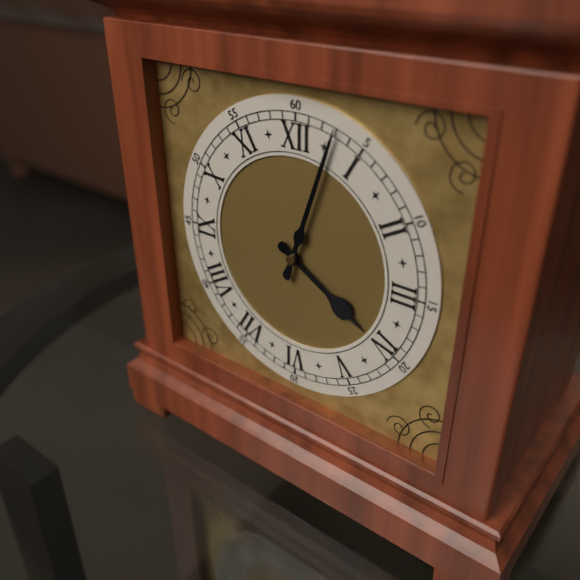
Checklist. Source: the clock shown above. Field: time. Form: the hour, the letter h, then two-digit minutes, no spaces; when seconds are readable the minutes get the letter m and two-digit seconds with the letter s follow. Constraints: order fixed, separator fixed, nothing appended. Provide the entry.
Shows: 4h03
